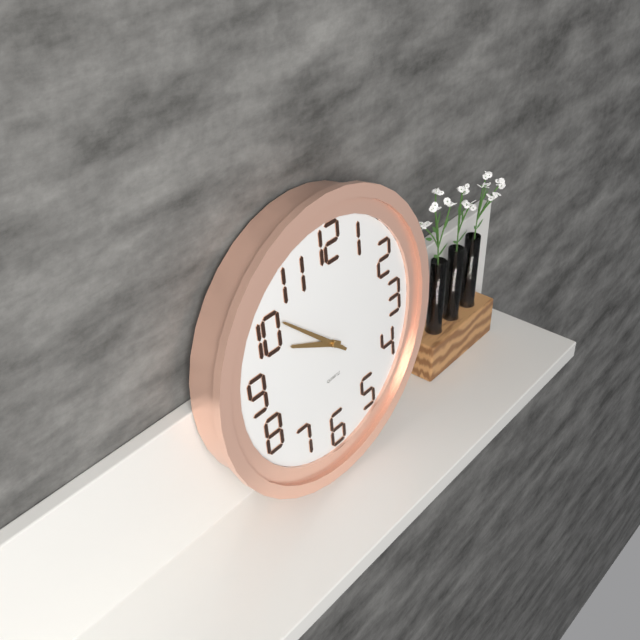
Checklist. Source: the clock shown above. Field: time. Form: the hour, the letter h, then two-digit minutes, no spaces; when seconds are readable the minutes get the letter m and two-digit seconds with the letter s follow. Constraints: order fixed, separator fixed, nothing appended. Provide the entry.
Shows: 9h52
